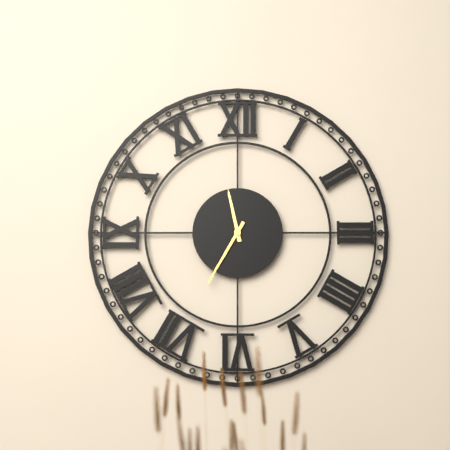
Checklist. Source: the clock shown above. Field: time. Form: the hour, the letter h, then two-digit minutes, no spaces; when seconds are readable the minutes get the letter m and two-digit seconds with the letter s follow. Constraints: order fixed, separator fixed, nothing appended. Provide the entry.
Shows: 11h35
